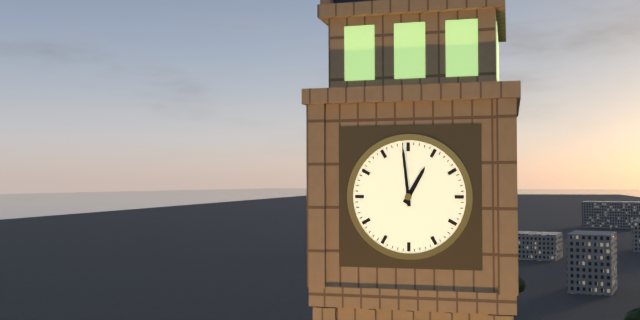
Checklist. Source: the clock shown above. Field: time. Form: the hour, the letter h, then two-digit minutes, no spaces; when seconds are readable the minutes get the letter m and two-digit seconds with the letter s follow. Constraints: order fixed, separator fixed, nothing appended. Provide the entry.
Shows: 12h59
